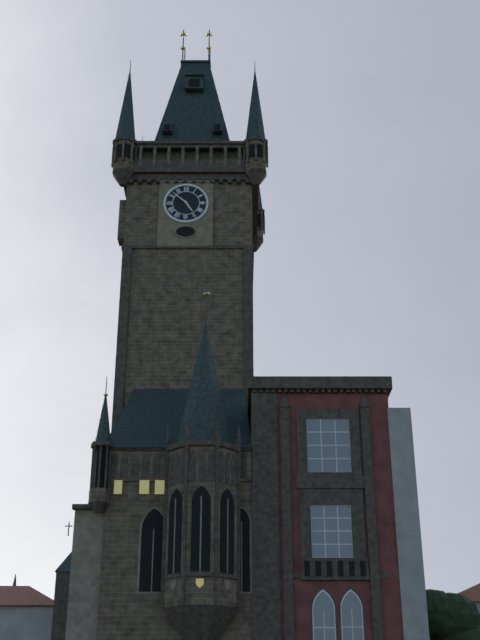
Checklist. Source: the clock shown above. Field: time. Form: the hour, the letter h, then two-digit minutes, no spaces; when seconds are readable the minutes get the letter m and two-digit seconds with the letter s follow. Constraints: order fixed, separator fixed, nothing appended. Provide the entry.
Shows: 4h52
